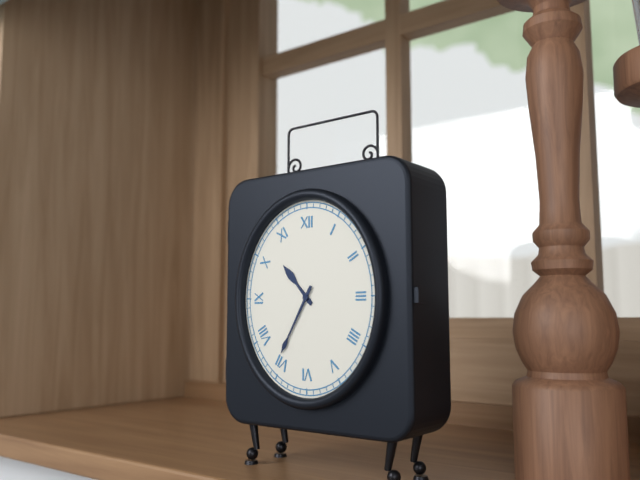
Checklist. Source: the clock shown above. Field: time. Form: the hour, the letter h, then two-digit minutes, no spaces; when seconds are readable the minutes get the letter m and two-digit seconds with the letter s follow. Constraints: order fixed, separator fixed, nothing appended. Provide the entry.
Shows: 10h35
